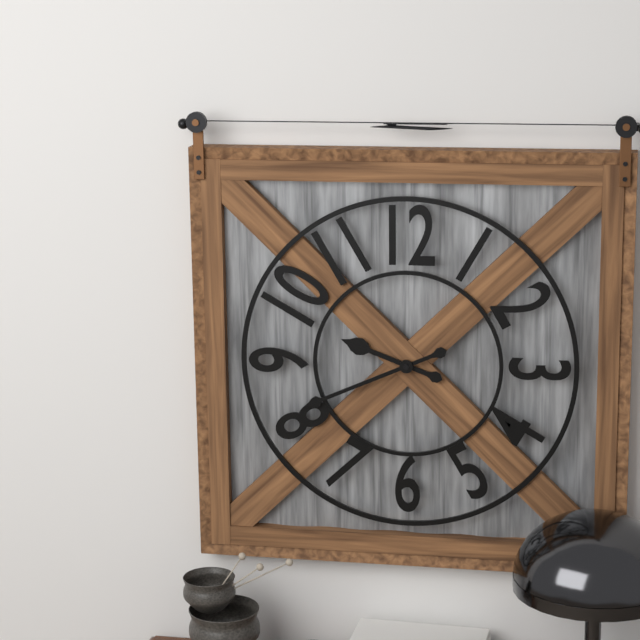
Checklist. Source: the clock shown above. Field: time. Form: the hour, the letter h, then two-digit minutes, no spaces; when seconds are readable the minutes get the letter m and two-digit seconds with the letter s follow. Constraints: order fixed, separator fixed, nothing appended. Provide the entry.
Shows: 9h41
